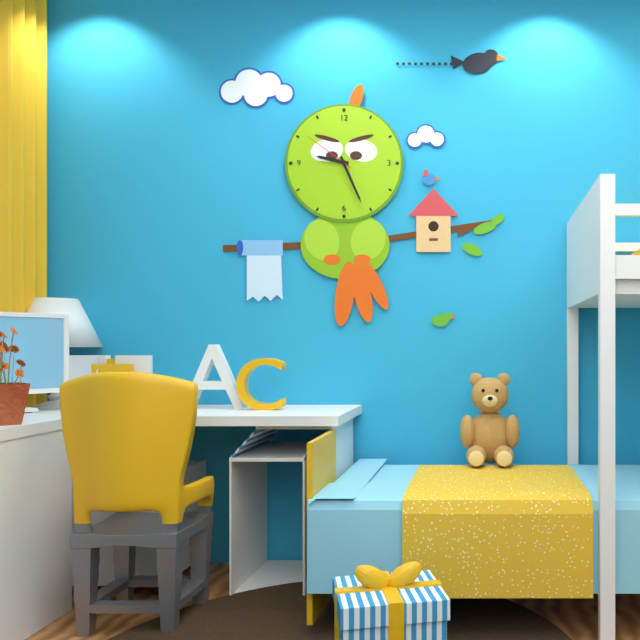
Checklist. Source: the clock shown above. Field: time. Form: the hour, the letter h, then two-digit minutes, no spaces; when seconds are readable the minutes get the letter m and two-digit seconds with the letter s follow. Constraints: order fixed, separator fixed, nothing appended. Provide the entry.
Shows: 9h26m51s
